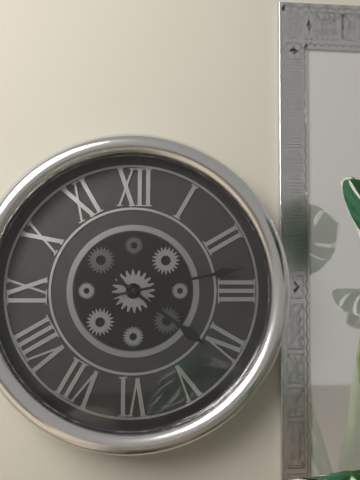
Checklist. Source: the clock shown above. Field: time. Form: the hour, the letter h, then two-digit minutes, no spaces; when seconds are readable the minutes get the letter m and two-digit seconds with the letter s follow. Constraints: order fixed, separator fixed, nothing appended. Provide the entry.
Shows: 4h13
